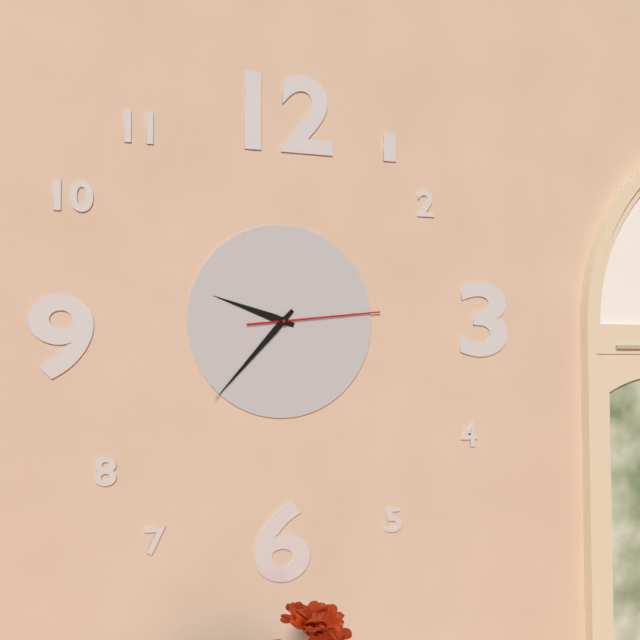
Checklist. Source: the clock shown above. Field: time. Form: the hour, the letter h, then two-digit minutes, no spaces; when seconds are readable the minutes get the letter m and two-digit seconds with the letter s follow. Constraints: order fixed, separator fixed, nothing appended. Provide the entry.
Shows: 9h37m14s
